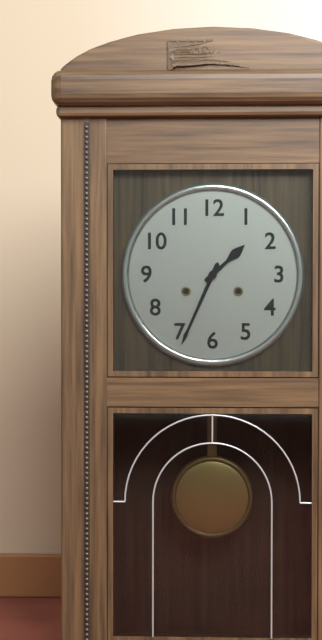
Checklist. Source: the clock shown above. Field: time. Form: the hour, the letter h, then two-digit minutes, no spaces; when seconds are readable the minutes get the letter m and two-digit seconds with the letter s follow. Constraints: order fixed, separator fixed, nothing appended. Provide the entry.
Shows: 1h34
